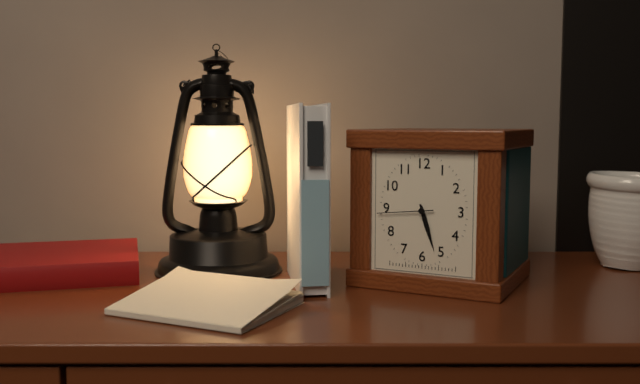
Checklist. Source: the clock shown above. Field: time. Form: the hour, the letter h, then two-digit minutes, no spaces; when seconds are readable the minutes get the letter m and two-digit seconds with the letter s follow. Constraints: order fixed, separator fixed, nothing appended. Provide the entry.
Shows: 5h27m44s
